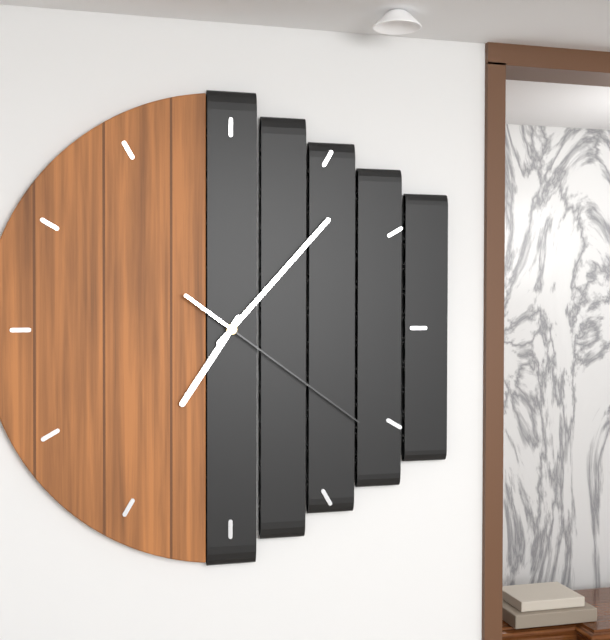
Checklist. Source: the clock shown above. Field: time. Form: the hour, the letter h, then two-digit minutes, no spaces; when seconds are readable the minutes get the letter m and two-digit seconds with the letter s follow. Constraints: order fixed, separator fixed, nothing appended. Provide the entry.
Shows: 7h07m21s
